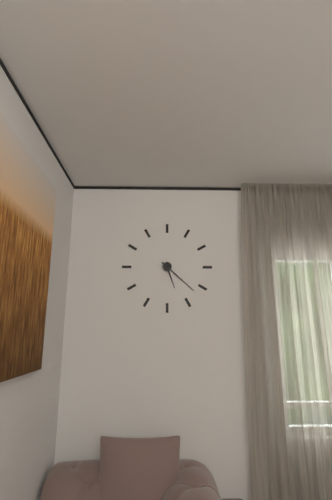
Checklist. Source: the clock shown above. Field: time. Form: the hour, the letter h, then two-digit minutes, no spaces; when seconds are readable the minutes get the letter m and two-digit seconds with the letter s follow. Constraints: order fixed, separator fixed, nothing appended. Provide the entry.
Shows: 5h22
